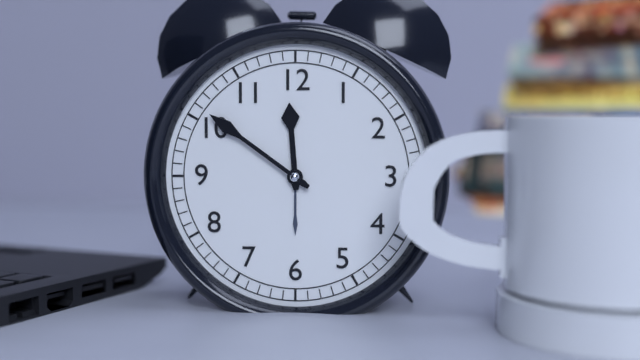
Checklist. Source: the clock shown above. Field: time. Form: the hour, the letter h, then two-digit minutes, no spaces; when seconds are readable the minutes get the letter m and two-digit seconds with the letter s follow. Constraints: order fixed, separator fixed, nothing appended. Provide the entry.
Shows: 11h51
